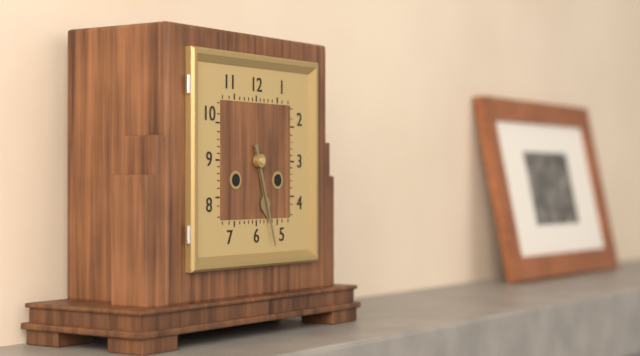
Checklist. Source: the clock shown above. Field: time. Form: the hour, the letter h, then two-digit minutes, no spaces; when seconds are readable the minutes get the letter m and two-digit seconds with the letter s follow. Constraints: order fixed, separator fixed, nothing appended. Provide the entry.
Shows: 5h27
